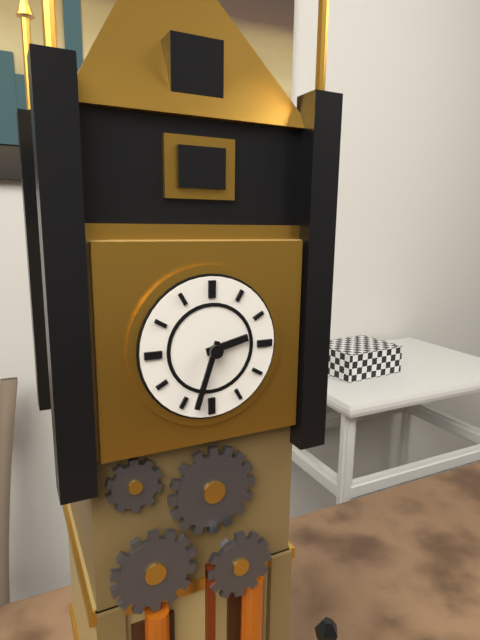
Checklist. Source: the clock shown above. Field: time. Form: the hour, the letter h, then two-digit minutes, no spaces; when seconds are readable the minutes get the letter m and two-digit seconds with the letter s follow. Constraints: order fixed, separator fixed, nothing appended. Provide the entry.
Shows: 2h33
